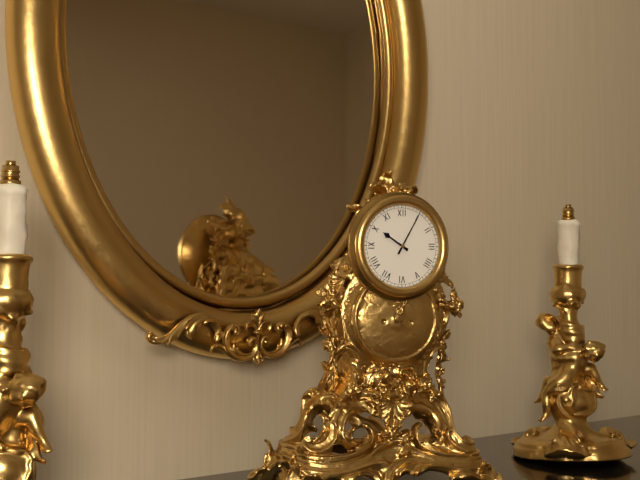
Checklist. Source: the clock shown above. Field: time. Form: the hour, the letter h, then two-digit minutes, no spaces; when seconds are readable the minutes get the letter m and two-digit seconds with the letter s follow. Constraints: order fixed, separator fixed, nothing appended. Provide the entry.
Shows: 10h05
